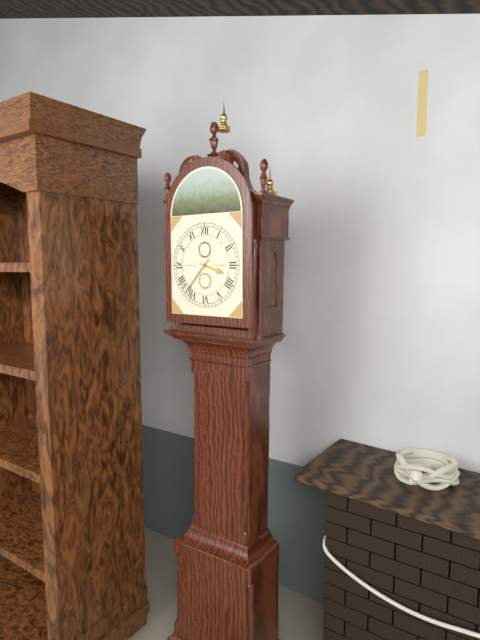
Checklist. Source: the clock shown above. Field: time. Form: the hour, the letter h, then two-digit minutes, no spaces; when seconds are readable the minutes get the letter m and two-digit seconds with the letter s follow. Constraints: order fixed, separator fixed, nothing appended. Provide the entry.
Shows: 3h37
